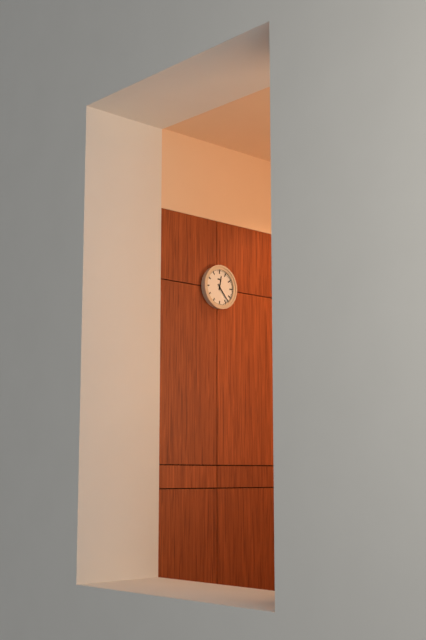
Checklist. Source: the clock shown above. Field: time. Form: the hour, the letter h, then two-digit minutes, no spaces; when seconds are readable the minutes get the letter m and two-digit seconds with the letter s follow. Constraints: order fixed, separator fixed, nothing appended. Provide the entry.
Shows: 12h23
